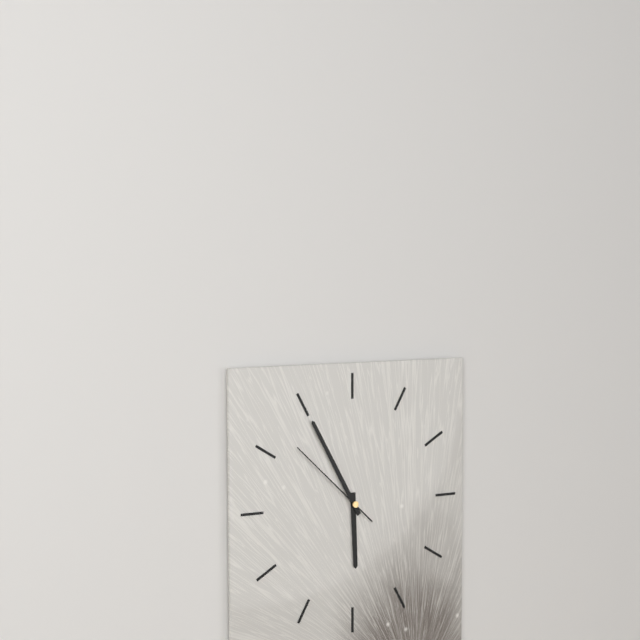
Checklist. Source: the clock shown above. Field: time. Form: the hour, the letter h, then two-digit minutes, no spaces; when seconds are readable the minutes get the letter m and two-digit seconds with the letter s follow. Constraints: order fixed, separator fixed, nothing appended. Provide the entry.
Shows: 5h55m52s
